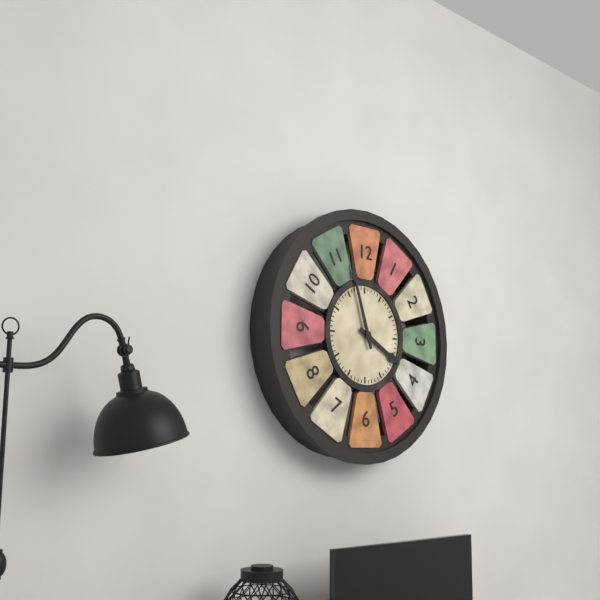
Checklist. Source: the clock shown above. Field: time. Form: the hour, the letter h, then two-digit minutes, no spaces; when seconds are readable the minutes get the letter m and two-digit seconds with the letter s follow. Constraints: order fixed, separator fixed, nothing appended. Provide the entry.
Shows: 3h57
